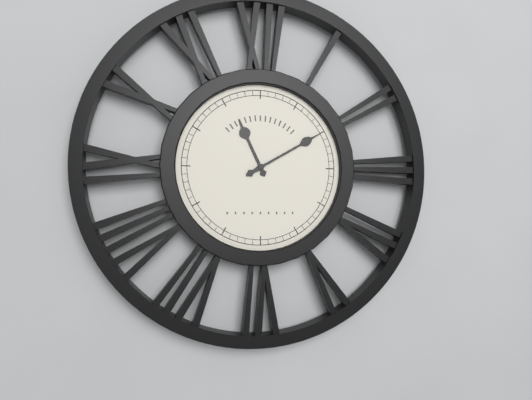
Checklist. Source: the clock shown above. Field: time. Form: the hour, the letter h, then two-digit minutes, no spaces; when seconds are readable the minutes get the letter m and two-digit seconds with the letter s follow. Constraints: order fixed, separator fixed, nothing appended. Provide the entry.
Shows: 11h10
